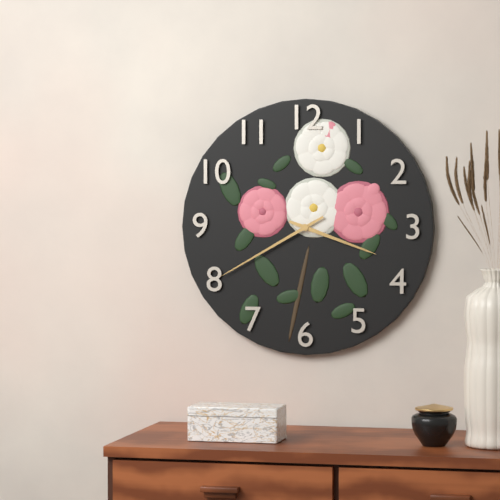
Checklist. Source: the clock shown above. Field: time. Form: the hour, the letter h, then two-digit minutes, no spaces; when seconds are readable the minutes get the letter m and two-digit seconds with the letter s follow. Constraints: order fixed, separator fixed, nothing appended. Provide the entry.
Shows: 3h40
